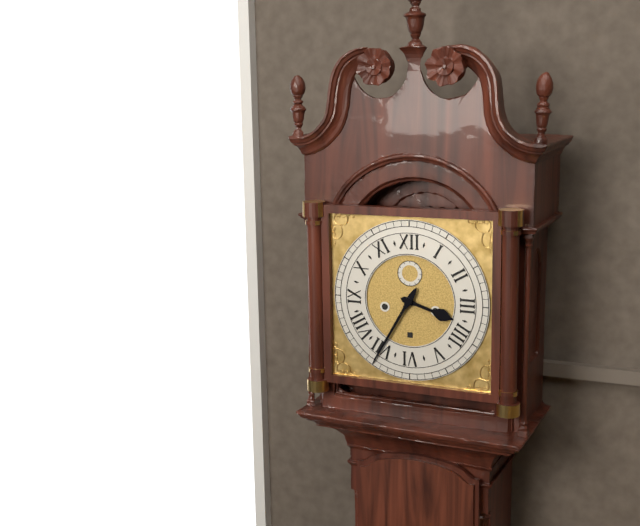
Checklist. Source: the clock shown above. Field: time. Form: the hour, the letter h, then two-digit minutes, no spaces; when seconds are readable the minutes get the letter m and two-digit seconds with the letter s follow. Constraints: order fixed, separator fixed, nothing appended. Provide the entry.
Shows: 3h35
